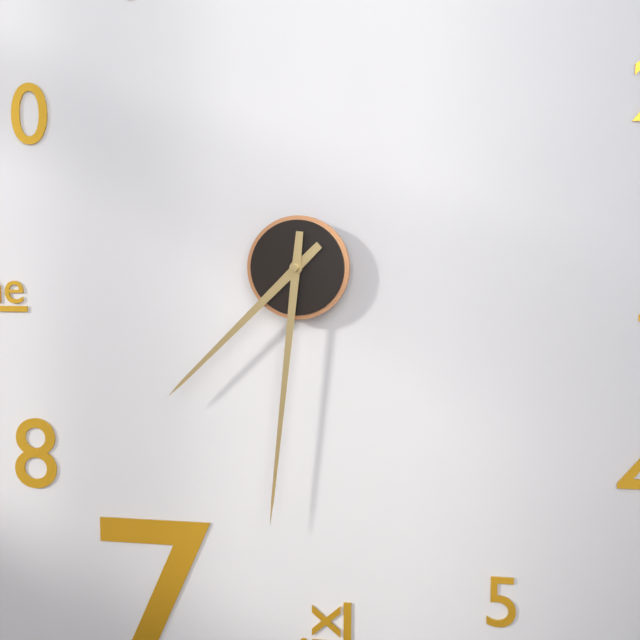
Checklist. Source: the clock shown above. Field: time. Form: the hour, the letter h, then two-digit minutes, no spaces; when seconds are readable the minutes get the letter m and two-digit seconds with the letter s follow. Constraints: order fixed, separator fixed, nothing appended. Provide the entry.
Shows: 7h31
